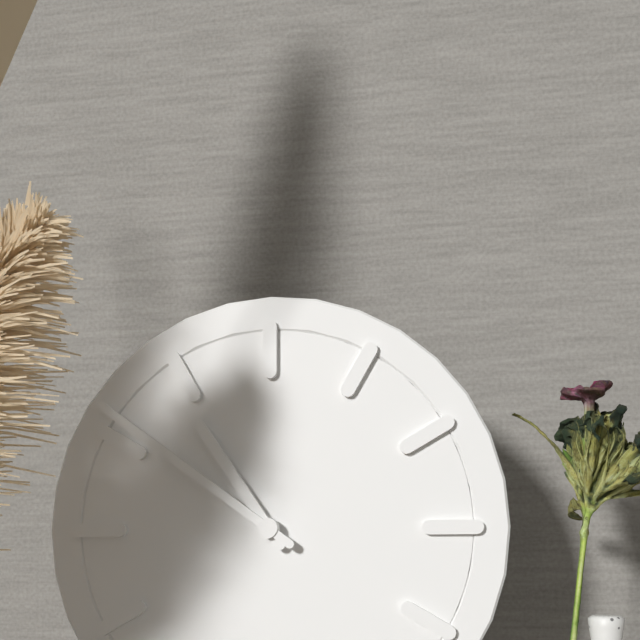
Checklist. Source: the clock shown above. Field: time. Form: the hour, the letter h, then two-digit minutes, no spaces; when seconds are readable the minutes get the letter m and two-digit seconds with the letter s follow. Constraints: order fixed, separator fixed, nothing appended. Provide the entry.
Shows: 10h51
